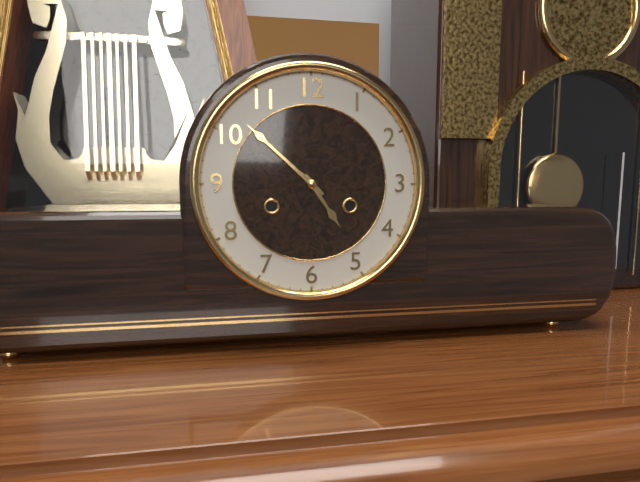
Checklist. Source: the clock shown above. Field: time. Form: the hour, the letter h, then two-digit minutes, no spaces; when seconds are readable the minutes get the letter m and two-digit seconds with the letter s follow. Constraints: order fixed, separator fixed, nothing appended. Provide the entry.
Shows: 4h52
